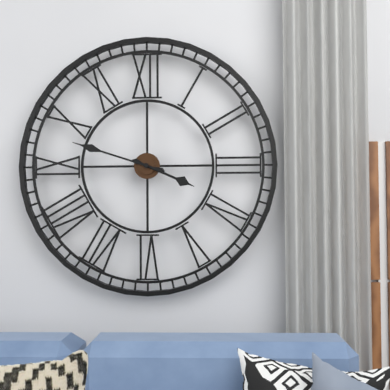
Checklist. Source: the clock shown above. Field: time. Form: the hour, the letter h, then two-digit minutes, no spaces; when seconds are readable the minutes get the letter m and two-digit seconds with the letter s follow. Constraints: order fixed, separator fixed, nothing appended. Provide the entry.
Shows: 3h48
